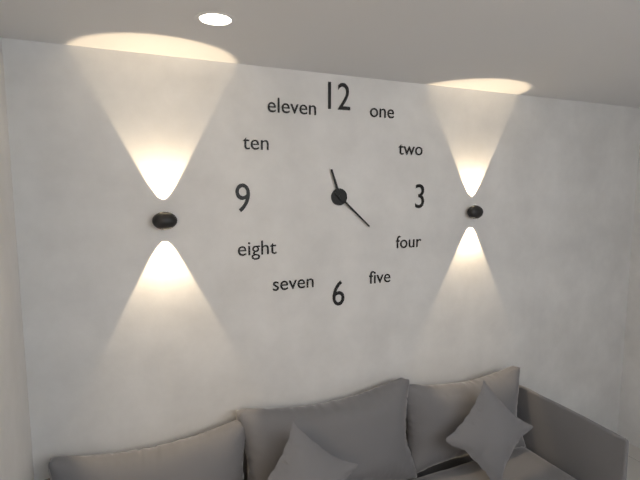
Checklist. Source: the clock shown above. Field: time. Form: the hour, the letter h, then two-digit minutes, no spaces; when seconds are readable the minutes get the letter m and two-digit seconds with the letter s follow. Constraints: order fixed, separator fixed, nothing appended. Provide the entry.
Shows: 11h22
